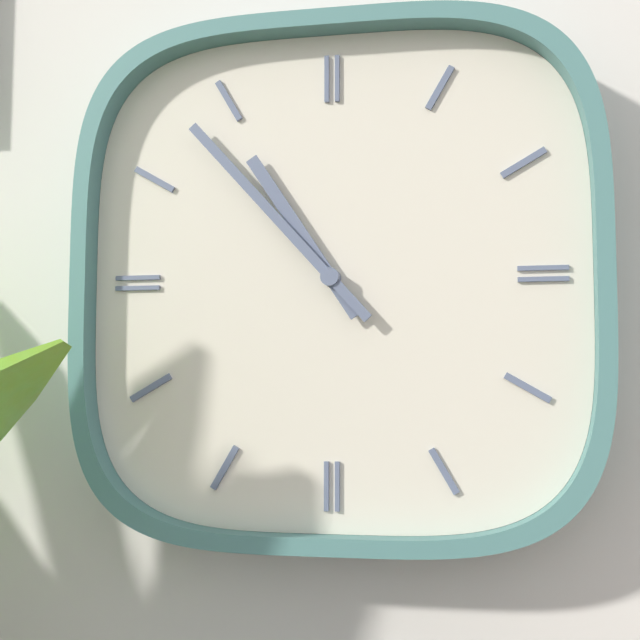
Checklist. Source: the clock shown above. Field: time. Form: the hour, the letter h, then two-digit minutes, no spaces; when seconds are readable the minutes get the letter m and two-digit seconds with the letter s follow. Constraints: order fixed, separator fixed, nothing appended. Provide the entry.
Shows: 10h53
